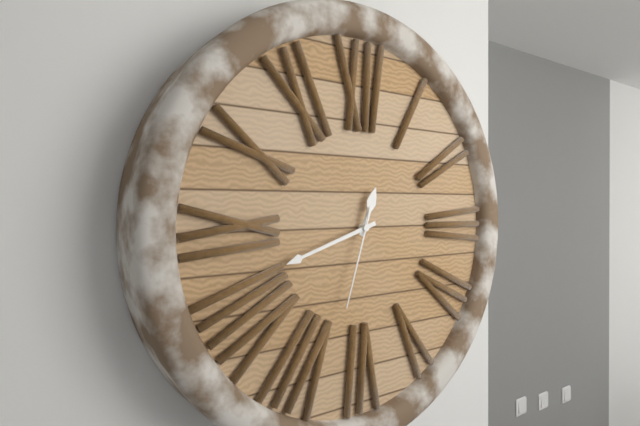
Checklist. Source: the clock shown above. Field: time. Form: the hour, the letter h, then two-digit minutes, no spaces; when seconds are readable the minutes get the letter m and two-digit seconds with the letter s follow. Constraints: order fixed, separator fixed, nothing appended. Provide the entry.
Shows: 12h42m33s
